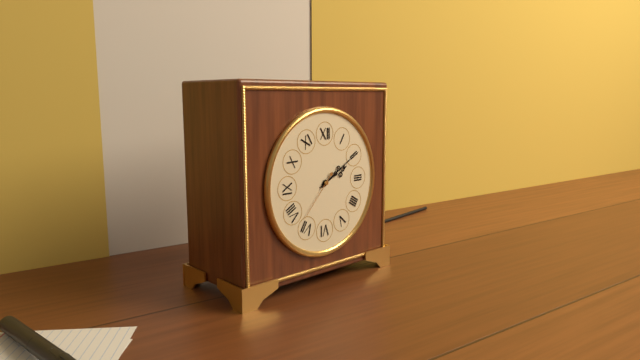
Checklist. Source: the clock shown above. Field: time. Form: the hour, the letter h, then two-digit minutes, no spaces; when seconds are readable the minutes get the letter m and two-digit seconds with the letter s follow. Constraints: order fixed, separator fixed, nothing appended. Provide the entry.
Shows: 2h10m37s
